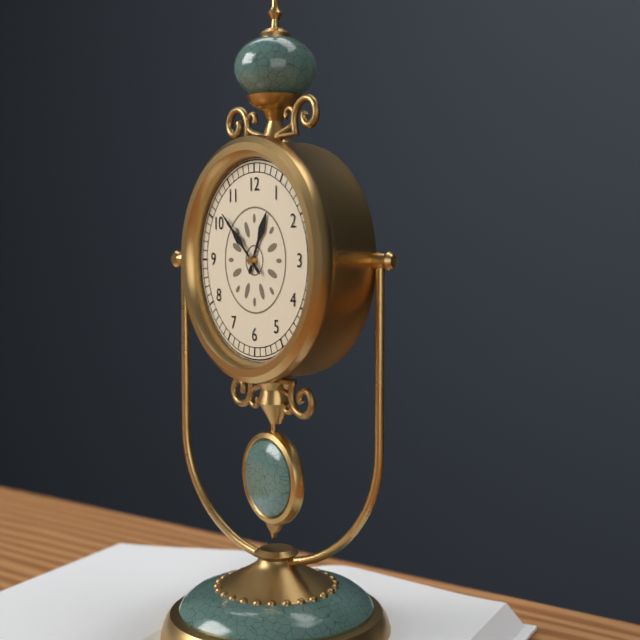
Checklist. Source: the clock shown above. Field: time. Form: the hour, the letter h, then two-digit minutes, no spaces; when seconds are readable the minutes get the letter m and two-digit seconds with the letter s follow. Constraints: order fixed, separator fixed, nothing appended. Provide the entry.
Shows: 12h52
